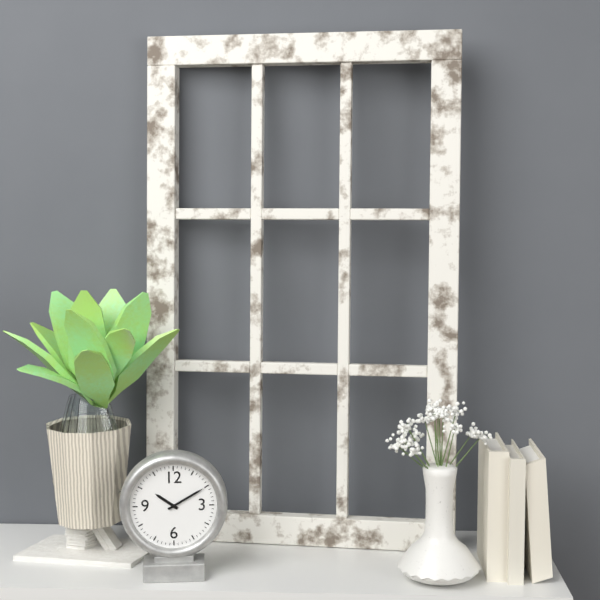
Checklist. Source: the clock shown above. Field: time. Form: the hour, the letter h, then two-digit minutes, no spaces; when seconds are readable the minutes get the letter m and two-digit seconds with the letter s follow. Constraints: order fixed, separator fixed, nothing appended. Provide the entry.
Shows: 10h10
